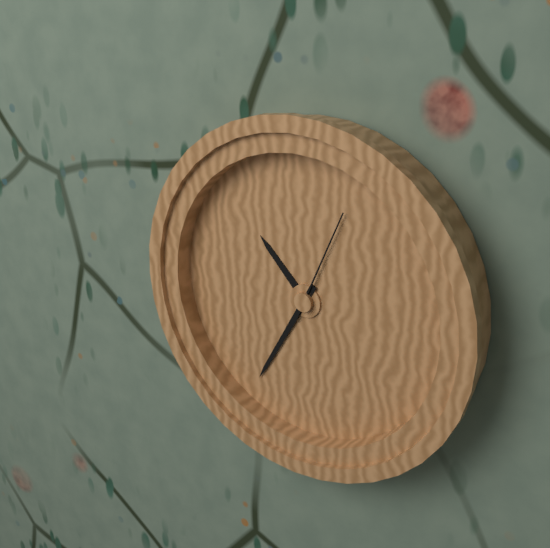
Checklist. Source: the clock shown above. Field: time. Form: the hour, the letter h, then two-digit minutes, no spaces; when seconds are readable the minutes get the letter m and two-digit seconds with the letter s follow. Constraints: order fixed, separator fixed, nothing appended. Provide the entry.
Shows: 10h35m04s
